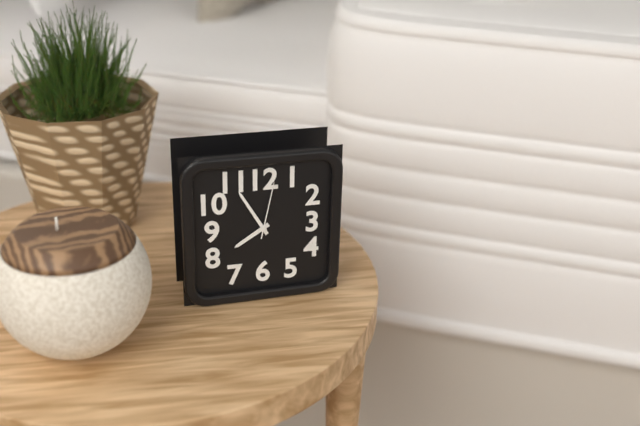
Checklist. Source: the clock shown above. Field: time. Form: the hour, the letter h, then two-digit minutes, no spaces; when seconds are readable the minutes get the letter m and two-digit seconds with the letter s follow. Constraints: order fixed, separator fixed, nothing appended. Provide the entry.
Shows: 7h55m02s
